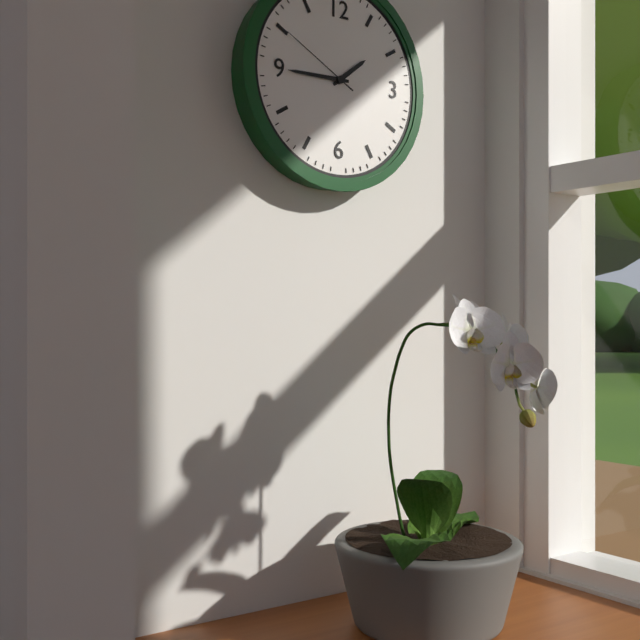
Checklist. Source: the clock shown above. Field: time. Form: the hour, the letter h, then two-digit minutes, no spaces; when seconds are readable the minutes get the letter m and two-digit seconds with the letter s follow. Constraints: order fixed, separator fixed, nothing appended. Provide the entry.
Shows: 1h45m50s
